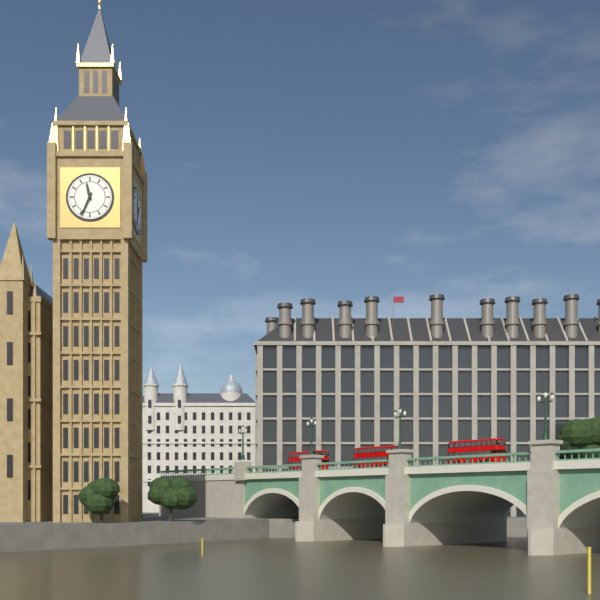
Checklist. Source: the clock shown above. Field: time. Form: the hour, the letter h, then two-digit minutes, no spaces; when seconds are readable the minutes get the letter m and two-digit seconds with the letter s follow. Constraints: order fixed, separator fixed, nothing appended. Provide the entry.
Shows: 11h34
